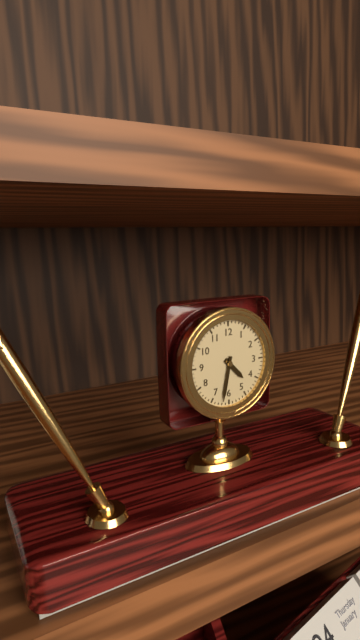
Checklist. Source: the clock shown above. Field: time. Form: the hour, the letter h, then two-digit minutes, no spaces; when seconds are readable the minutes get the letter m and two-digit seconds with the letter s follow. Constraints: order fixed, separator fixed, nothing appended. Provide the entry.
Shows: 4h32
